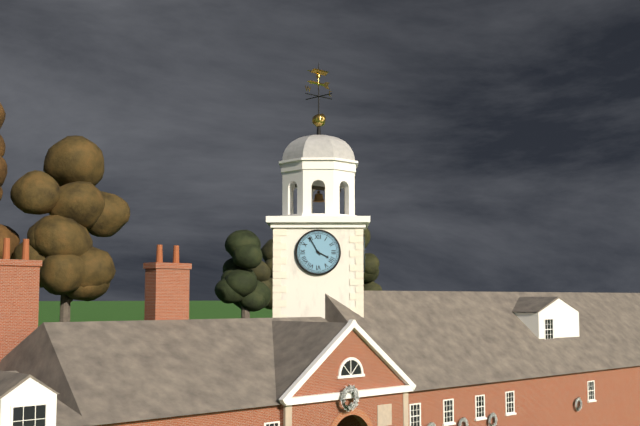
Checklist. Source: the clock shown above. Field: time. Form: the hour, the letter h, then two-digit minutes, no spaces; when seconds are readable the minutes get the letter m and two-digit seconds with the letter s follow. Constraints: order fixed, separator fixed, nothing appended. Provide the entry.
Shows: 3h55
